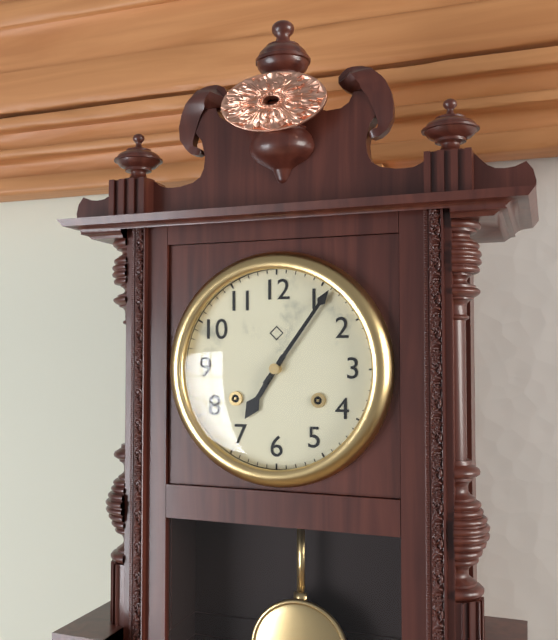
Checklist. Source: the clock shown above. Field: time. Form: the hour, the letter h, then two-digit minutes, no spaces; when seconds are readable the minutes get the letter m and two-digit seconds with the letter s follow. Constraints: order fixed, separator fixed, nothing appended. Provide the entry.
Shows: 7h06
